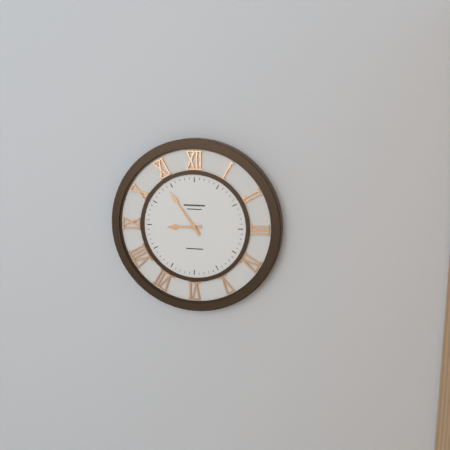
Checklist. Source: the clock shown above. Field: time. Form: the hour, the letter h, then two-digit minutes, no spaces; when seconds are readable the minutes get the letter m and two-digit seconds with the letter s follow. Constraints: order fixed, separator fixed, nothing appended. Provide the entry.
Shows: 8h54
